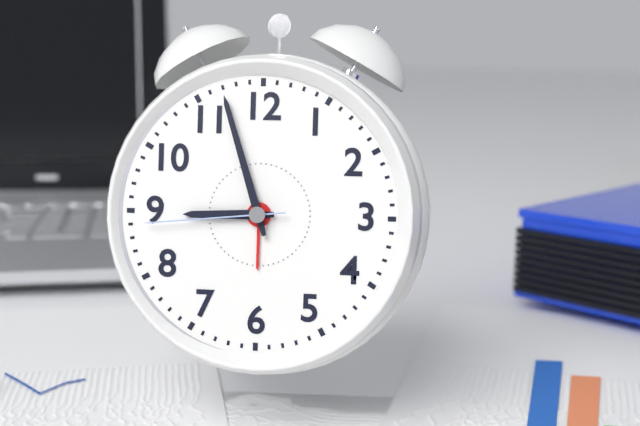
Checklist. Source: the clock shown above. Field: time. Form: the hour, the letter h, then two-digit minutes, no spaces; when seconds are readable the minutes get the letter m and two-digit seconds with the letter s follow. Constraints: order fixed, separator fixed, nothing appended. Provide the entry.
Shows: 8h57m44s
